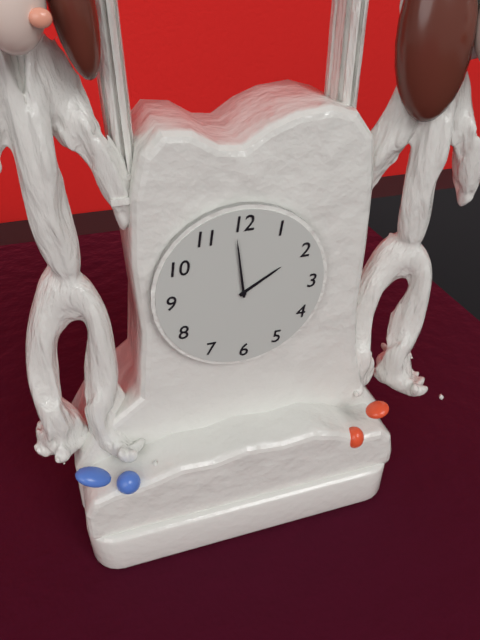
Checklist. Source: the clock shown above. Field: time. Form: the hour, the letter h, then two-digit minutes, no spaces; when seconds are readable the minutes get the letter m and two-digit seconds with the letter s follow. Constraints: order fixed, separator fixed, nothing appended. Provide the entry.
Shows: 1h59
